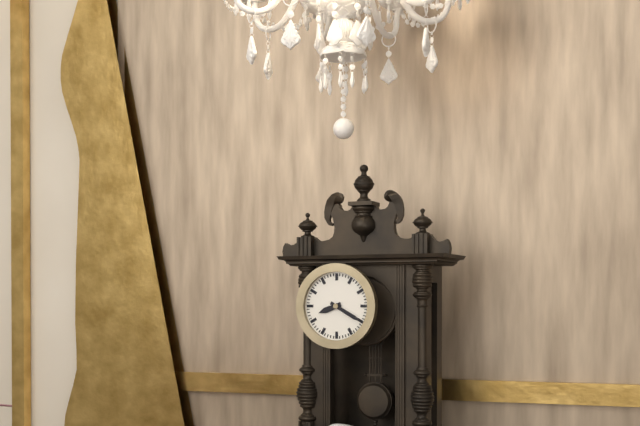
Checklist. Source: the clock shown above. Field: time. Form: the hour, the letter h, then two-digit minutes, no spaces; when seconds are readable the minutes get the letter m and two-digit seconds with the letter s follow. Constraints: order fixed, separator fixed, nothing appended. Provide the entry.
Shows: 8h20
